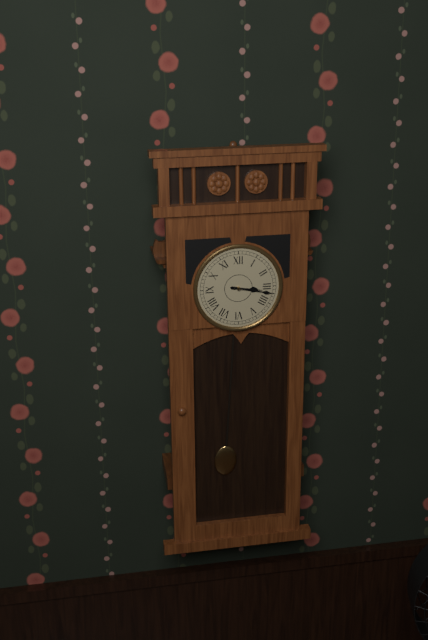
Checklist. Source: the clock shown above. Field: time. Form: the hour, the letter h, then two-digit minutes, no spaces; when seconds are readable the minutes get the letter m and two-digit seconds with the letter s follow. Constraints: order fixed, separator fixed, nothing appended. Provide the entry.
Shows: 3h17
